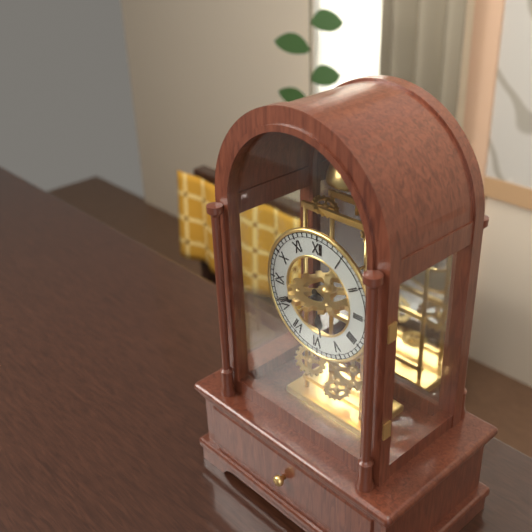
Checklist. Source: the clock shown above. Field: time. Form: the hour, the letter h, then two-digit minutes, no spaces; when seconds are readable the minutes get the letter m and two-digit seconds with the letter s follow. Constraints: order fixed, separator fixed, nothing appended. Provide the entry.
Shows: 5h41
